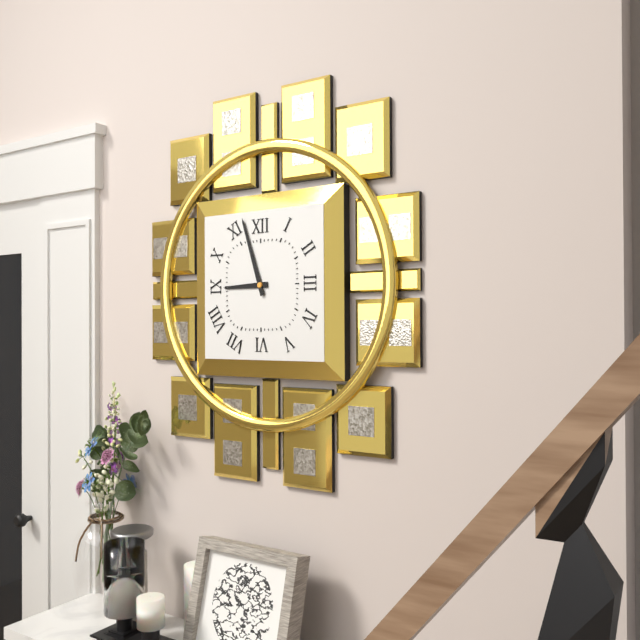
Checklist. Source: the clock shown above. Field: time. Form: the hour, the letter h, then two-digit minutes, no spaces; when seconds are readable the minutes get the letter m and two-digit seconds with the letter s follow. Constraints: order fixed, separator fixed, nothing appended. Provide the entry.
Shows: 8h57
